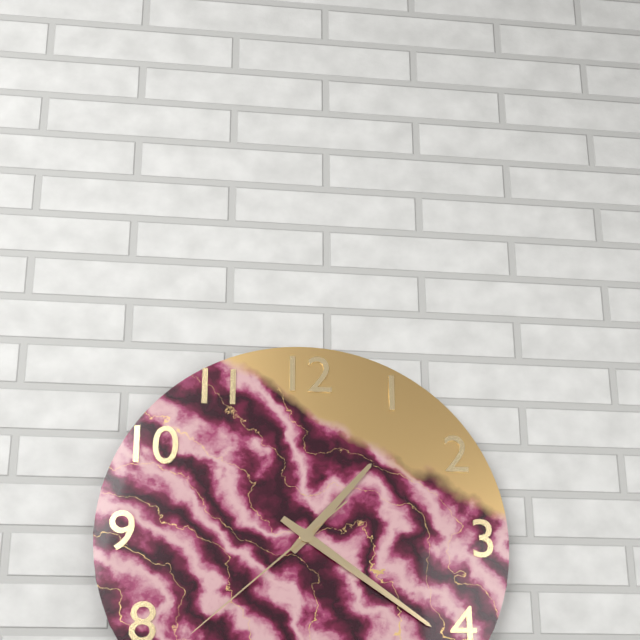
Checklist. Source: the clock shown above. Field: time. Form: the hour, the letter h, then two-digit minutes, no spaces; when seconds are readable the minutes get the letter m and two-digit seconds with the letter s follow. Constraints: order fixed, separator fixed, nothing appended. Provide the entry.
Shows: 1h21m38s
